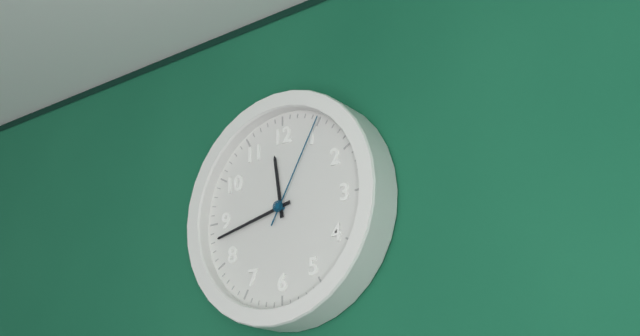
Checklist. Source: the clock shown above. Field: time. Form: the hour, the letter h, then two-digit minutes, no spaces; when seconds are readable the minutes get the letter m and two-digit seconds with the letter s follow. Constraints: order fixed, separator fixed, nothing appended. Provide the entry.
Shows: 11h43m05s
